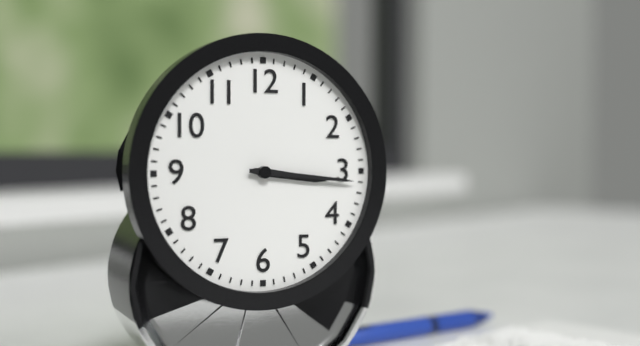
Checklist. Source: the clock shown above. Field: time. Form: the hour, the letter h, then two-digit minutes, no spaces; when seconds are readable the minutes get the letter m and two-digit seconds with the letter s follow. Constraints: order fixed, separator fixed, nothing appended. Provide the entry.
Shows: 3h16
